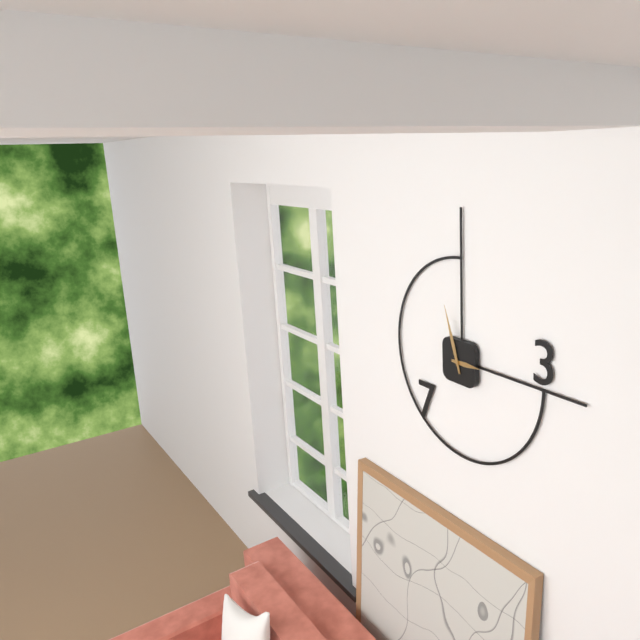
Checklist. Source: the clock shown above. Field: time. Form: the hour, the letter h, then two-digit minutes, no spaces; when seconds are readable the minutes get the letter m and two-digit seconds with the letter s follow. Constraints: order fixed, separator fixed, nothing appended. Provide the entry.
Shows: 2h57
